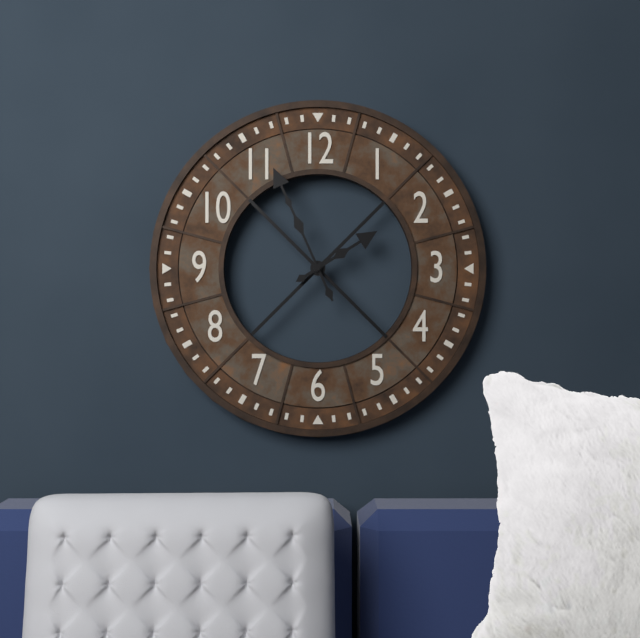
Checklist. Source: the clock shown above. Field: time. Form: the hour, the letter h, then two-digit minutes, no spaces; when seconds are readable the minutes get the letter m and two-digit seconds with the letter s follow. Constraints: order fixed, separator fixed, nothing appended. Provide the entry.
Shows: 1h56
